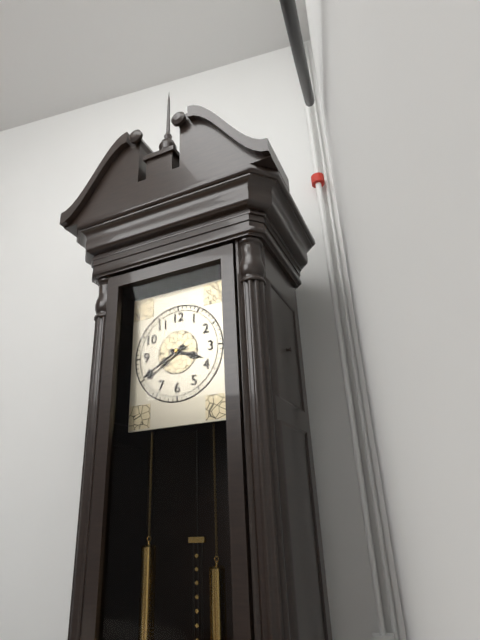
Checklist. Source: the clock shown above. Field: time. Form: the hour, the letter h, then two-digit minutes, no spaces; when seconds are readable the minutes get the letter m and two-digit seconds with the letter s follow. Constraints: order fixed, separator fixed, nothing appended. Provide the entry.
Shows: 3h40
